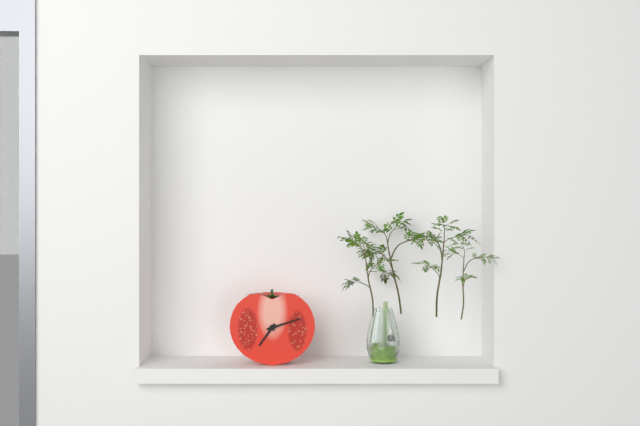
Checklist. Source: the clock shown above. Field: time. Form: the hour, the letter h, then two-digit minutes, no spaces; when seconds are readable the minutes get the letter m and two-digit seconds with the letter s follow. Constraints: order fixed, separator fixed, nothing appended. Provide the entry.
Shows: 7h12
